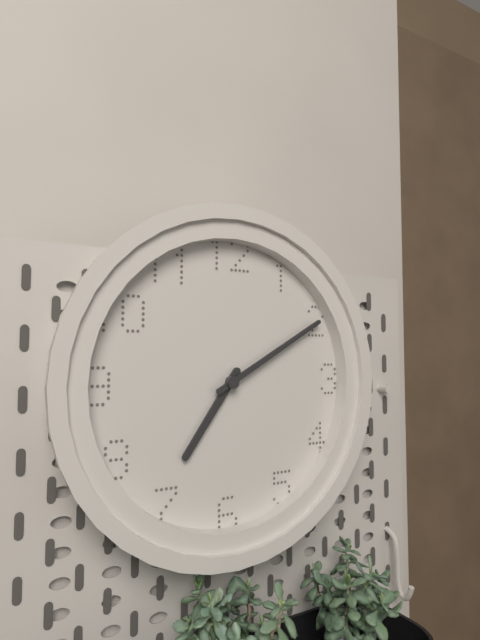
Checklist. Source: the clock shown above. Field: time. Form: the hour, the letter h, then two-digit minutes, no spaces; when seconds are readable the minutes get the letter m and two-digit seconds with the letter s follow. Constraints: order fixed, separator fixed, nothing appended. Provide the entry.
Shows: 7h10
